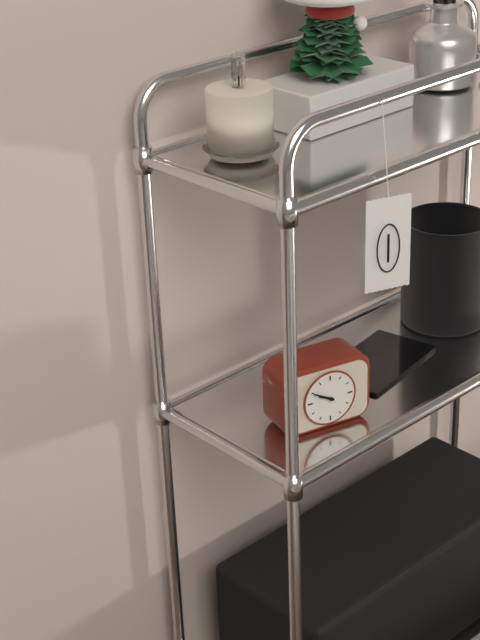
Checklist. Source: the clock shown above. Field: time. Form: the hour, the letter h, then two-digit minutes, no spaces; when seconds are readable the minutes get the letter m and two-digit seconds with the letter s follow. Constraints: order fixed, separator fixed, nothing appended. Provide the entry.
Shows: 9h50
